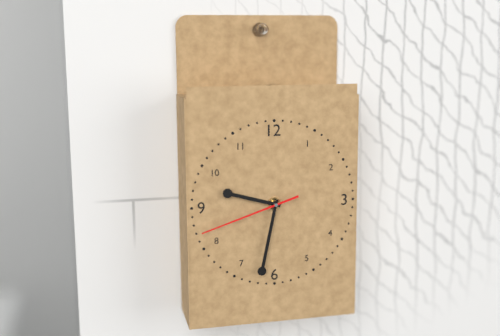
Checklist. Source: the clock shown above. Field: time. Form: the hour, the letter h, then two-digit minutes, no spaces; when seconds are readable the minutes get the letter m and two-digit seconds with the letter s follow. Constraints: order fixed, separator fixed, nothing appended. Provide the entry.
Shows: 9h32m42s
